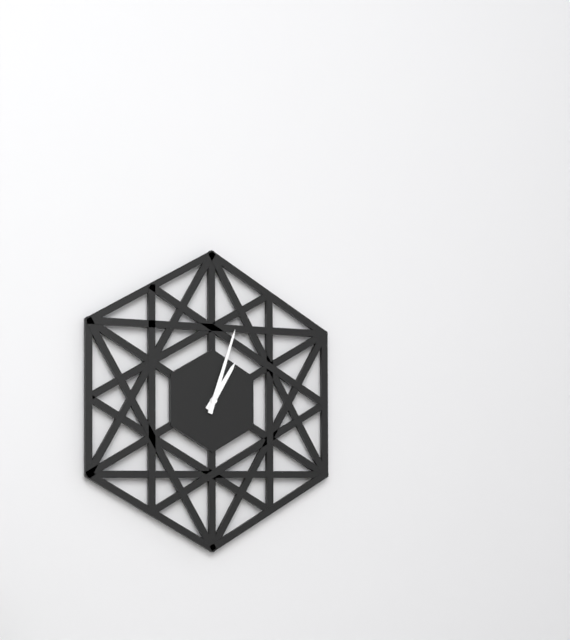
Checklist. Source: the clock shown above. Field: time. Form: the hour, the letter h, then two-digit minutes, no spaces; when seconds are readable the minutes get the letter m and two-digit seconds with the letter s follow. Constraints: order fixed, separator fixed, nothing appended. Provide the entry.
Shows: 1h03
